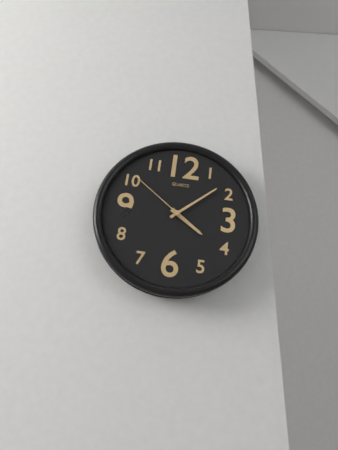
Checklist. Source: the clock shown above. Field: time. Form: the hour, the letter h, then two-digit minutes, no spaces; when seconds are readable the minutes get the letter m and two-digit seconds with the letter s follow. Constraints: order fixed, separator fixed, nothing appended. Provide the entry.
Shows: 4h08m51s
